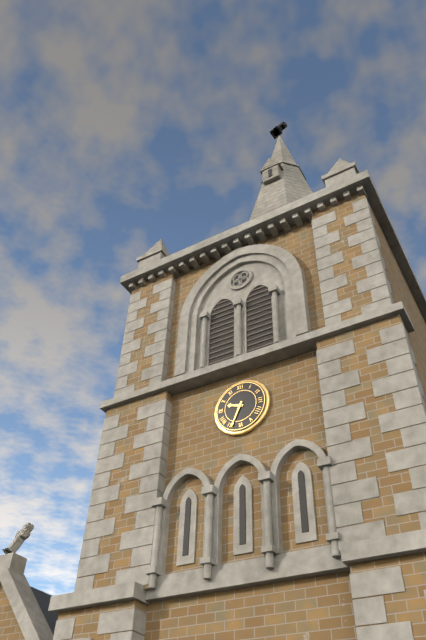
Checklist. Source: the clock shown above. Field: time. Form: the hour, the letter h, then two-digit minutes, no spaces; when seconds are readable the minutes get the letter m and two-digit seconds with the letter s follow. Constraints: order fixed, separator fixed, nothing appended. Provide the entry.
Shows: 9h34
